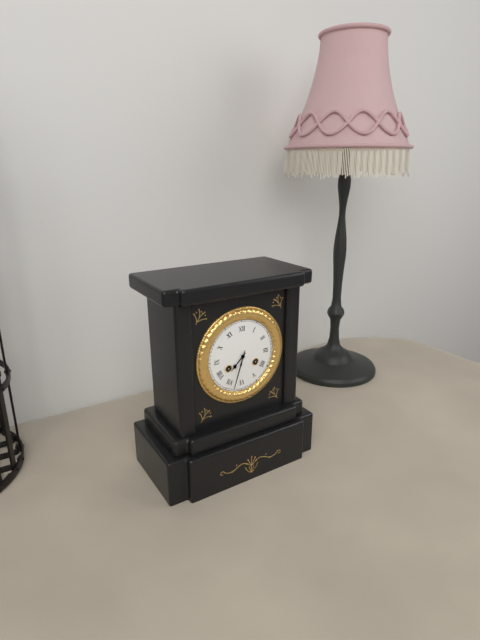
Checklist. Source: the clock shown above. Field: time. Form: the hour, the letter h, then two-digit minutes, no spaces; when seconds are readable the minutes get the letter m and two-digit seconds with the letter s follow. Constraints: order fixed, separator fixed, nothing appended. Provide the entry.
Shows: 7h33
